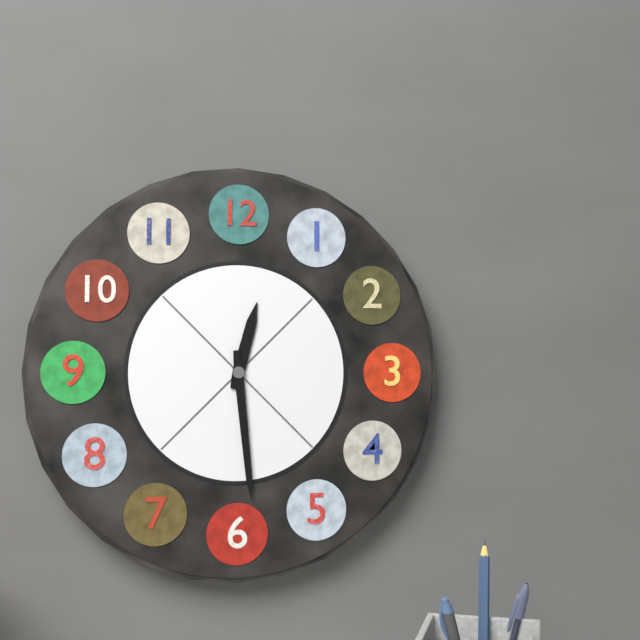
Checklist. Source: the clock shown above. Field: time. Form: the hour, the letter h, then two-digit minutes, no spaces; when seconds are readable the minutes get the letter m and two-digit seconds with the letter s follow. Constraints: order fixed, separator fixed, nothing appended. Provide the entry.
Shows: 12h29
